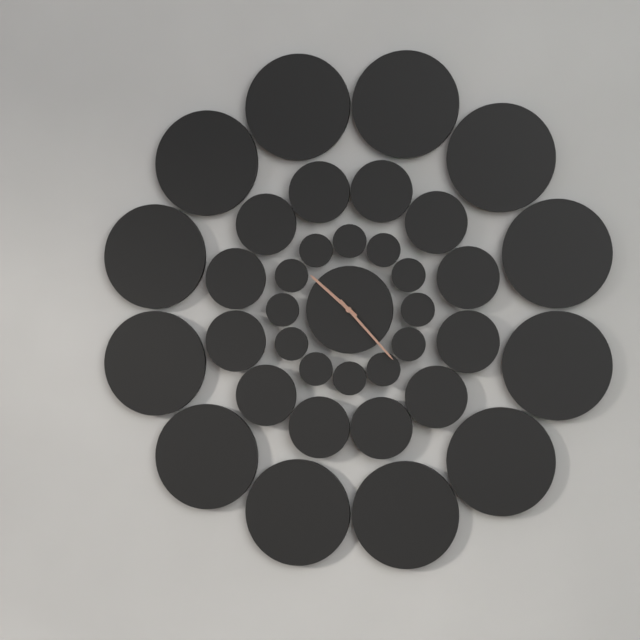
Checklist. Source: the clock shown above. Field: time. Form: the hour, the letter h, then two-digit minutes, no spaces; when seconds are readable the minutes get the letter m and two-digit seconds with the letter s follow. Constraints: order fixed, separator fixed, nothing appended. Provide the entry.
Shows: 10h23
